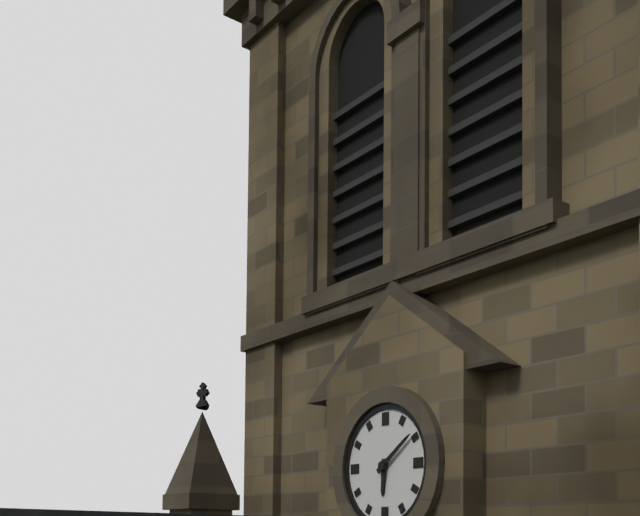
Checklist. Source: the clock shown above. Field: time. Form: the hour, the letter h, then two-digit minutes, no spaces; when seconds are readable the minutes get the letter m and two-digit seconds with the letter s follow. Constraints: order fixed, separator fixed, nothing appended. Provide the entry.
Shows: 6h09
